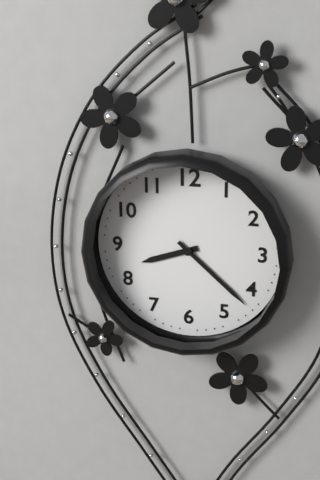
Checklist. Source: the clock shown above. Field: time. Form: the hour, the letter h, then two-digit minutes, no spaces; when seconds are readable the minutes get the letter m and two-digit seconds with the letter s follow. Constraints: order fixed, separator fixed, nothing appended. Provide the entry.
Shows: 8h22
